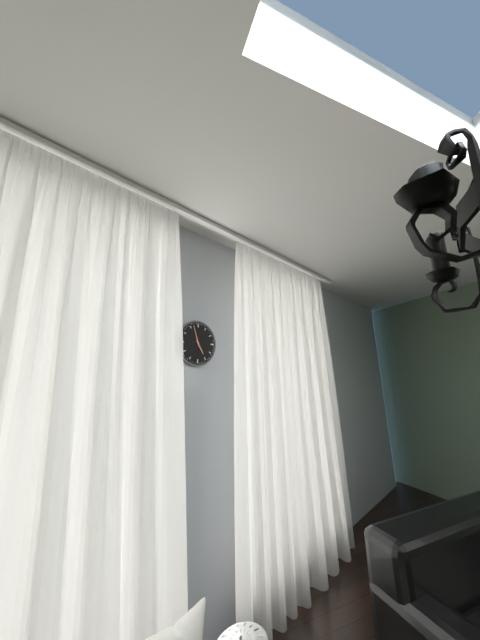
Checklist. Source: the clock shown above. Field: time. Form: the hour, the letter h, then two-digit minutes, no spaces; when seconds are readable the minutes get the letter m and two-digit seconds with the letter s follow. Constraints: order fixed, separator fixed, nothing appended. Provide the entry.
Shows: 4h57
